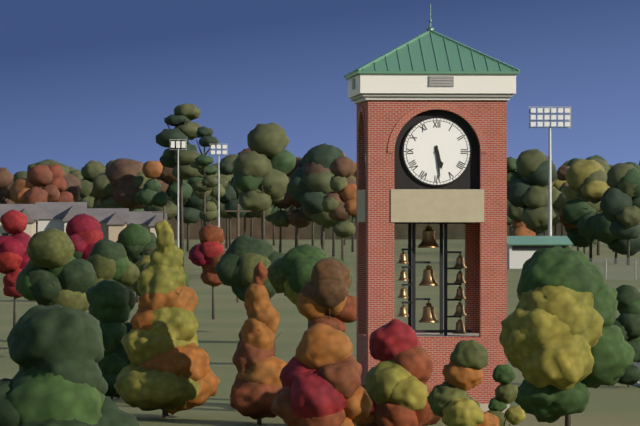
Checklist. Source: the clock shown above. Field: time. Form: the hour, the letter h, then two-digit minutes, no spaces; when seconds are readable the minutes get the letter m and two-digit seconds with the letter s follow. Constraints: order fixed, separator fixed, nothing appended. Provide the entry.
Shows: 5h29
